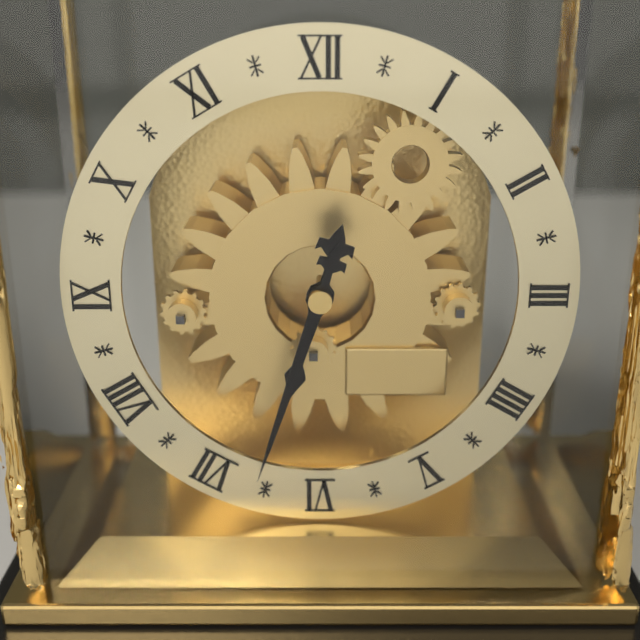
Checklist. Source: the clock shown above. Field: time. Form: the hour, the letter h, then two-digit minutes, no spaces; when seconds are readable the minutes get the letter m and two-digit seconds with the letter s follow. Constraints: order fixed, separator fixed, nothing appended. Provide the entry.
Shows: 6h33
